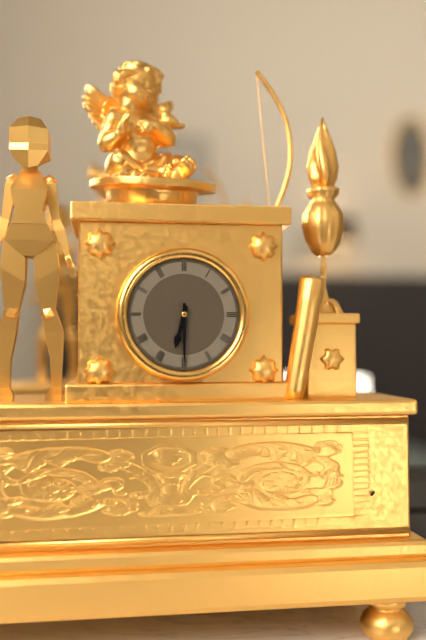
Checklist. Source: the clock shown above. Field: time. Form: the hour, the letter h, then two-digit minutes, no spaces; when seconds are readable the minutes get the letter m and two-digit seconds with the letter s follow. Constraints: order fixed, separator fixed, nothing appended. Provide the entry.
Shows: 6h30
